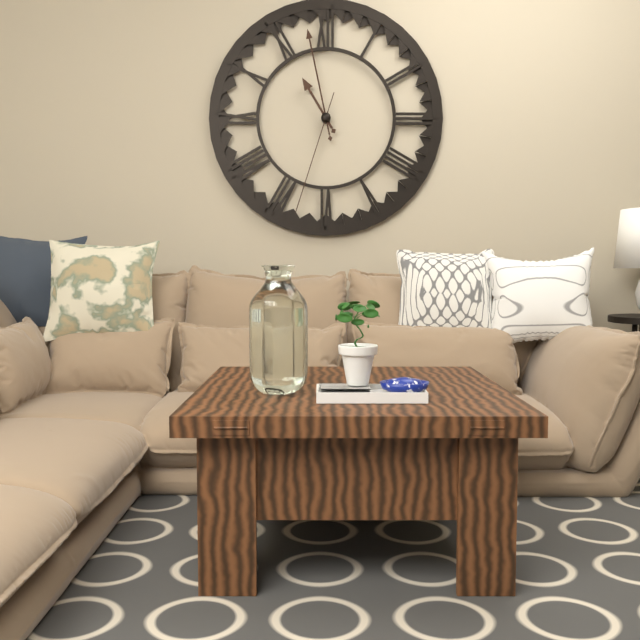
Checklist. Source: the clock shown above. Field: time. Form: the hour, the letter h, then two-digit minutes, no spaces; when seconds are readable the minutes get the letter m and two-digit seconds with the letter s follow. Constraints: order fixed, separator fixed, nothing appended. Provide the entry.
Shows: 10h58m33s
